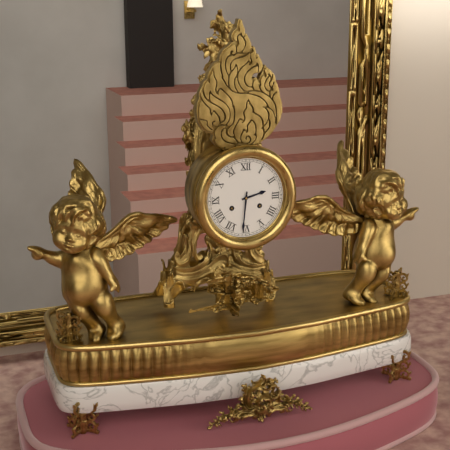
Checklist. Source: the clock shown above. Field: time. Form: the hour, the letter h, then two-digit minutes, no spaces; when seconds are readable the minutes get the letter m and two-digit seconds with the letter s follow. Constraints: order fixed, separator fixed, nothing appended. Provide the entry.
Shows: 2h31
